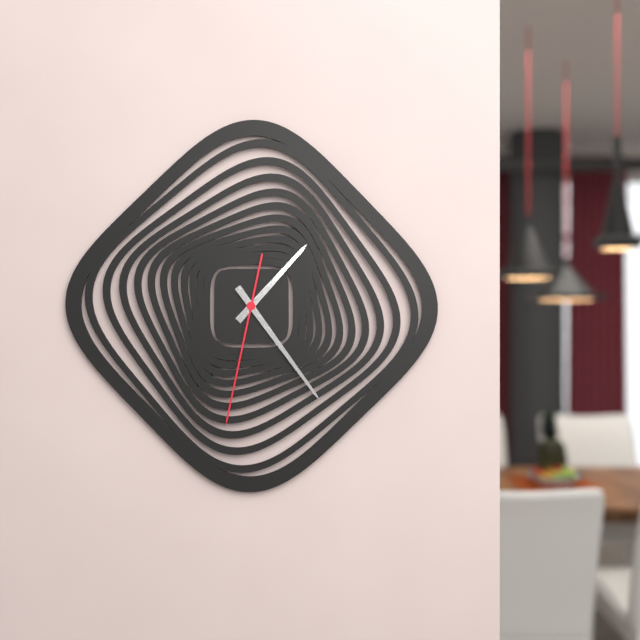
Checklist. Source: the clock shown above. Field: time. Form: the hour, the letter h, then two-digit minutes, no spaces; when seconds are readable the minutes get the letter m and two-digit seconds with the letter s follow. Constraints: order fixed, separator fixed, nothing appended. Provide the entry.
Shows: 1h24m32s
